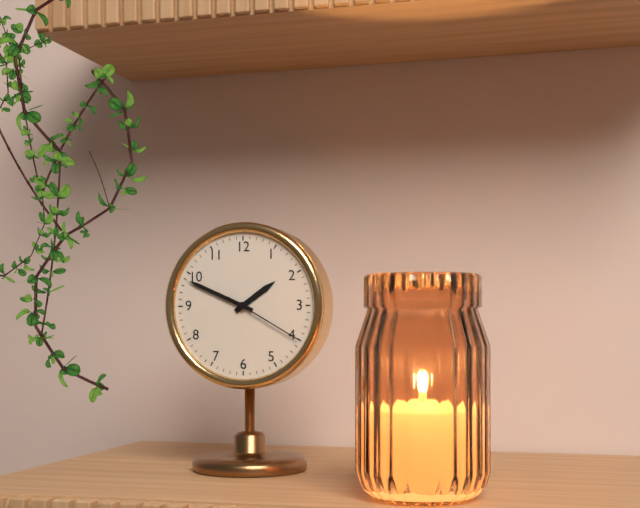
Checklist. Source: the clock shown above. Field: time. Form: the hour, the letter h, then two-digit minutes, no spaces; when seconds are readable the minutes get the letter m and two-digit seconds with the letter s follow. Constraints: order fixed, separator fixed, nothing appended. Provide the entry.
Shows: 1h49m20s
